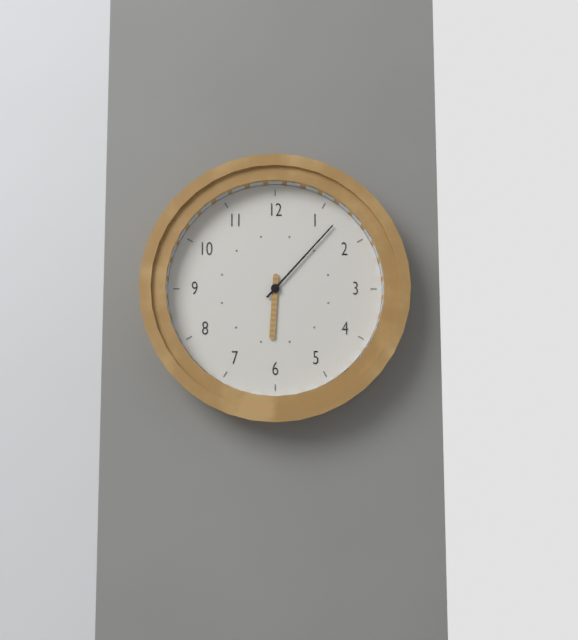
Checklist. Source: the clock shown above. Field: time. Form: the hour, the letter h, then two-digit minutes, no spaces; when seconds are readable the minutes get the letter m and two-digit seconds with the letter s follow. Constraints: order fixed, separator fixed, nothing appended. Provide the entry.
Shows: 6h07
